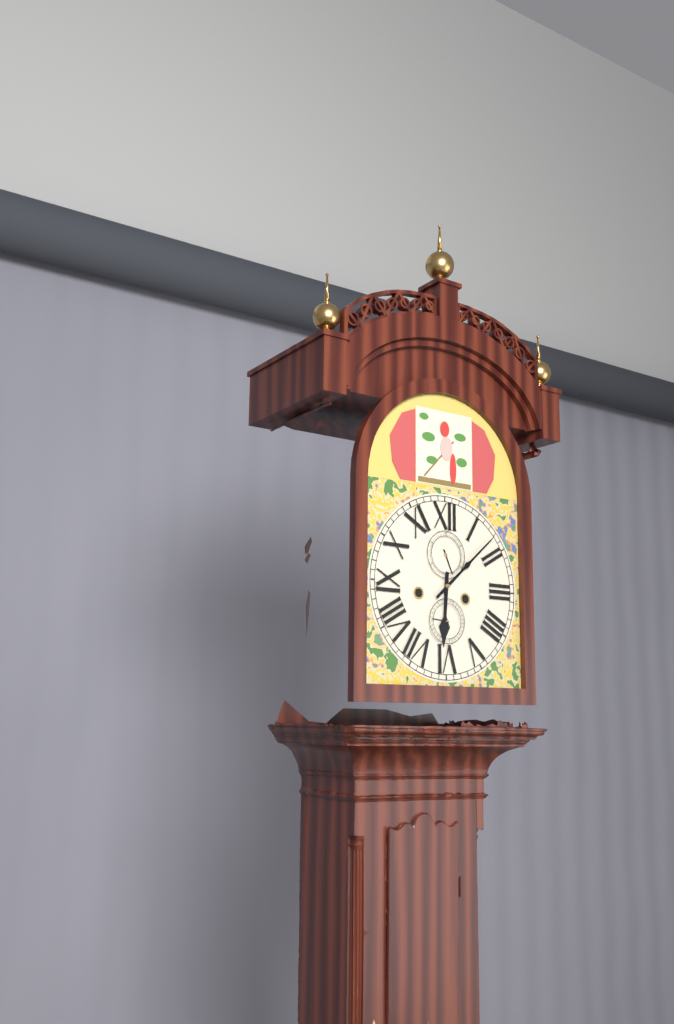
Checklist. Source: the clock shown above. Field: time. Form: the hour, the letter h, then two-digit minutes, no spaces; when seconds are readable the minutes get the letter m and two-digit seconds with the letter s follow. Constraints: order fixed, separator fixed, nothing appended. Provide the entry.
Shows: 6h08
